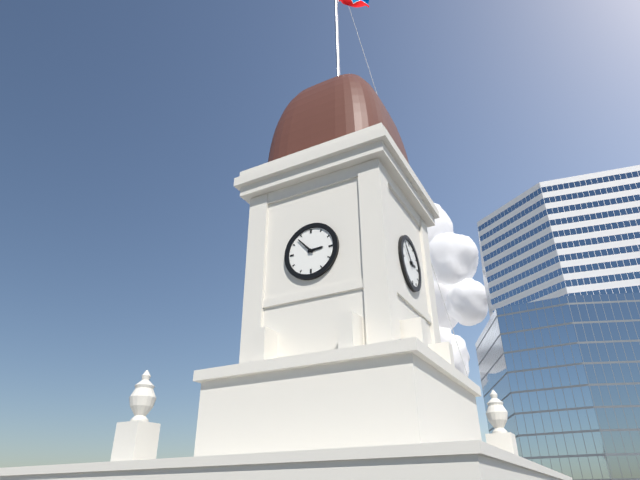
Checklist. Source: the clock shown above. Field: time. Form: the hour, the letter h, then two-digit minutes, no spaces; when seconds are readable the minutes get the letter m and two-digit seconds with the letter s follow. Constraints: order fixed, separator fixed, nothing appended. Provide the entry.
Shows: 2h53
